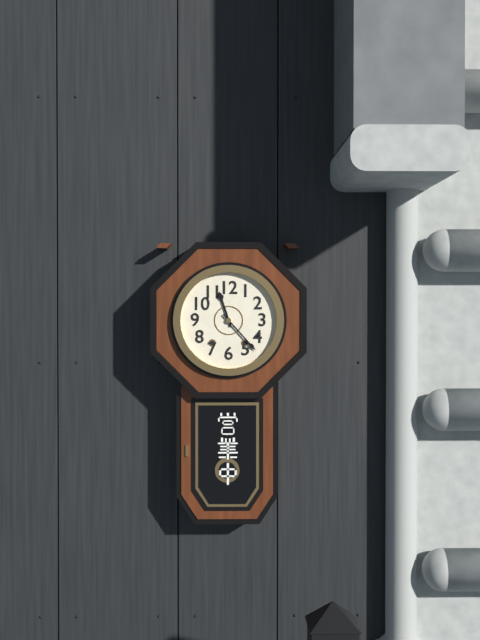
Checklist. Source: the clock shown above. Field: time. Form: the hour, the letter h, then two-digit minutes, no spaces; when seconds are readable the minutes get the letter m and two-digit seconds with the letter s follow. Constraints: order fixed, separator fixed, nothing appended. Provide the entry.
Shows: 11h23
